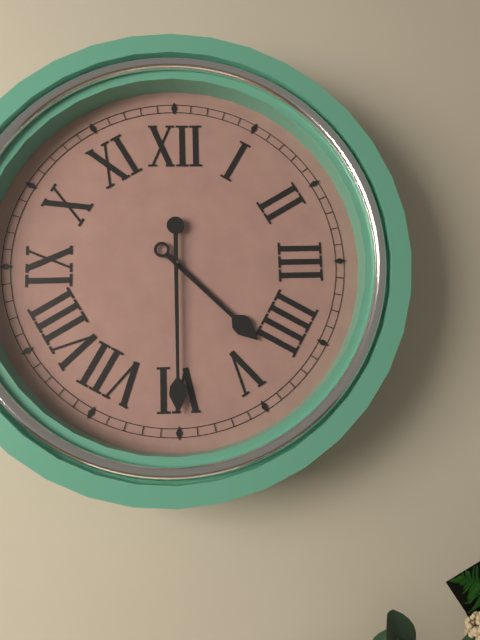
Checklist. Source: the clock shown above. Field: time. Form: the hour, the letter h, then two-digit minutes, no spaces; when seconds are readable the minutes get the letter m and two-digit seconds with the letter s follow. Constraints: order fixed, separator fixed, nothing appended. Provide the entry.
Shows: 4h30
